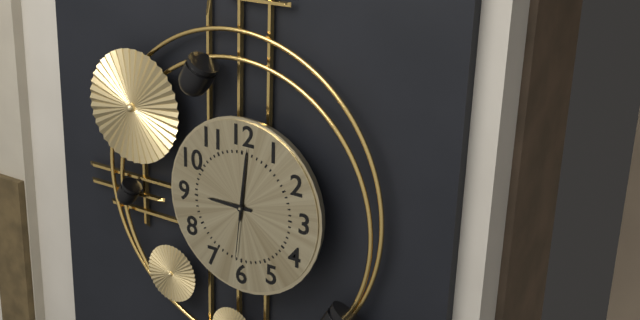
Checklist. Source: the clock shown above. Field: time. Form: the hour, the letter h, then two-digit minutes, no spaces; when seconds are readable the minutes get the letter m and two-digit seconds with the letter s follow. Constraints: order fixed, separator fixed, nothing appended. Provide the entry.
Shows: 9h01m31s
